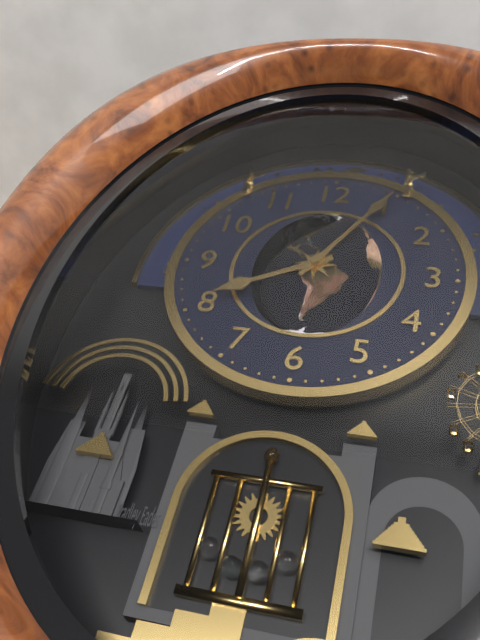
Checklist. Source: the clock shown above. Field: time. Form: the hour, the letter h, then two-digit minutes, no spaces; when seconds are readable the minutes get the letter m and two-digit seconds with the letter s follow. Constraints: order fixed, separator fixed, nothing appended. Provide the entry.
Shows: 8h05
